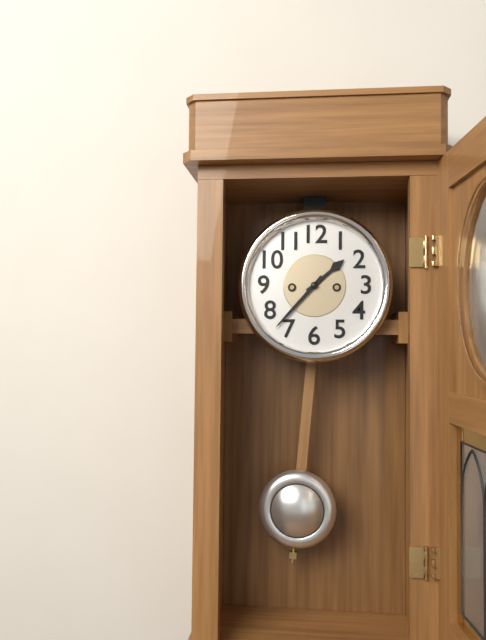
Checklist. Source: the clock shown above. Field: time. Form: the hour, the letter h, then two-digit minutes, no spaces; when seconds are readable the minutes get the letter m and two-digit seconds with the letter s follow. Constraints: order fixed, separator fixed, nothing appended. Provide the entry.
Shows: 1h37
